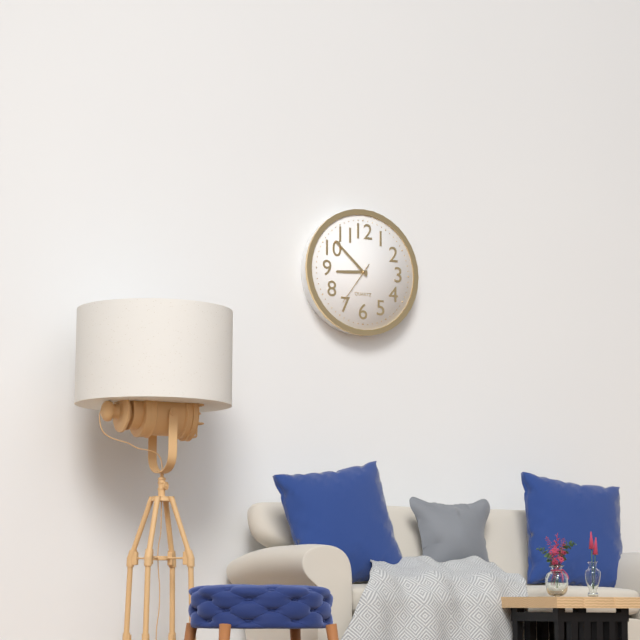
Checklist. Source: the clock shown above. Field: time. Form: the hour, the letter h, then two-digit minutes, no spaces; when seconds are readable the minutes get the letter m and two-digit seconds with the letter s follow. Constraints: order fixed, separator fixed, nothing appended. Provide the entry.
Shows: 8h52
